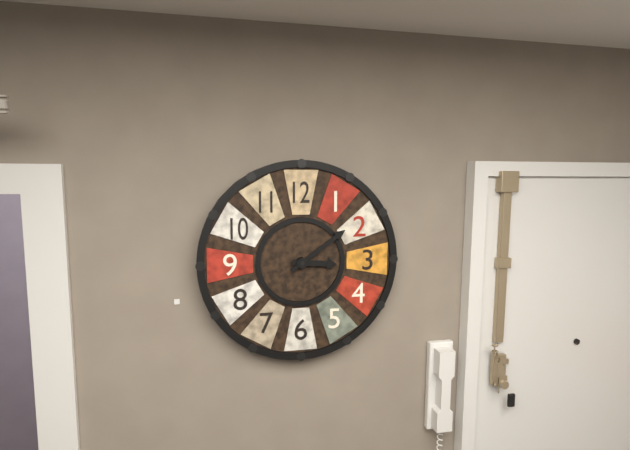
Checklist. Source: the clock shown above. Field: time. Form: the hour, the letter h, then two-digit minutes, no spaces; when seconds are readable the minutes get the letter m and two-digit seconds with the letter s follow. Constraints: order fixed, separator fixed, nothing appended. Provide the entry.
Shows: 3h09
